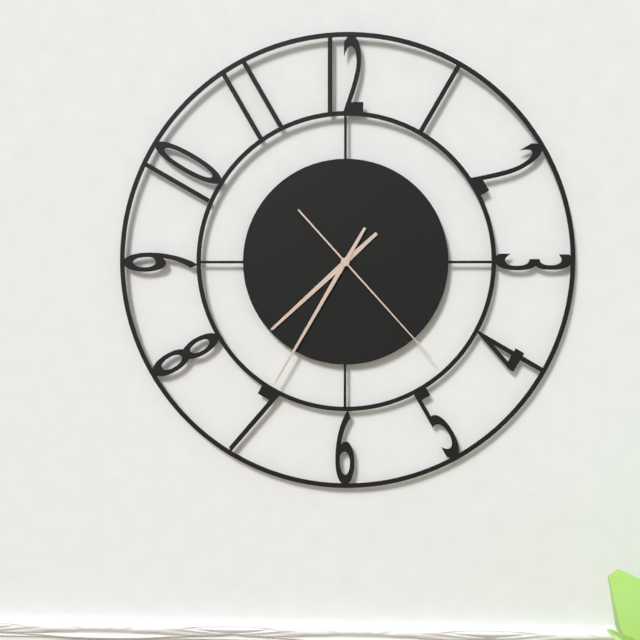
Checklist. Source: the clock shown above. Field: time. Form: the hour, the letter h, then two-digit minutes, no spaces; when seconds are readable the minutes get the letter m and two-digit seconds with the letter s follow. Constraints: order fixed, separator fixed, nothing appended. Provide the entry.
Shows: 7h35m23s
